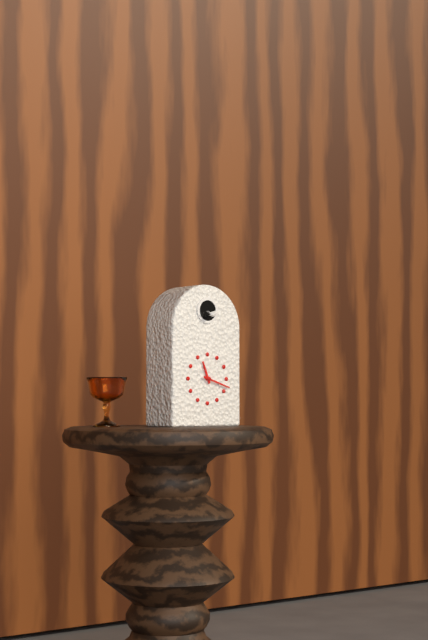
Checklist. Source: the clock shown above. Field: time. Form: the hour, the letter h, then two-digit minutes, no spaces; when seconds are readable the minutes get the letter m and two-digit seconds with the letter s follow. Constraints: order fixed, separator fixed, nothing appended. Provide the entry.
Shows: 11h18
